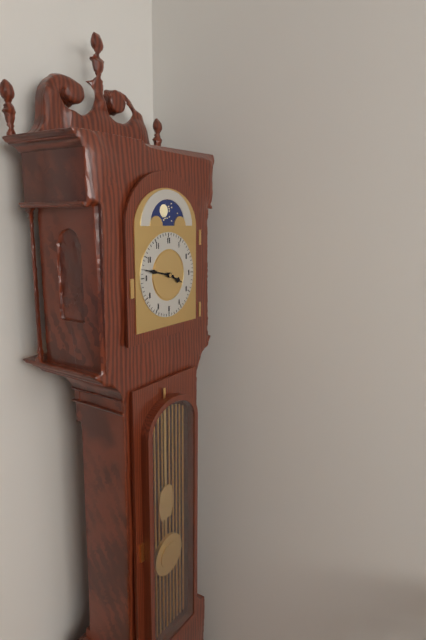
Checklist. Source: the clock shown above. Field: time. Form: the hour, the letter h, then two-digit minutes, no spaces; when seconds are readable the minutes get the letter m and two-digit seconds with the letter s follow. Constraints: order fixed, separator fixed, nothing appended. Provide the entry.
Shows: 3h47
